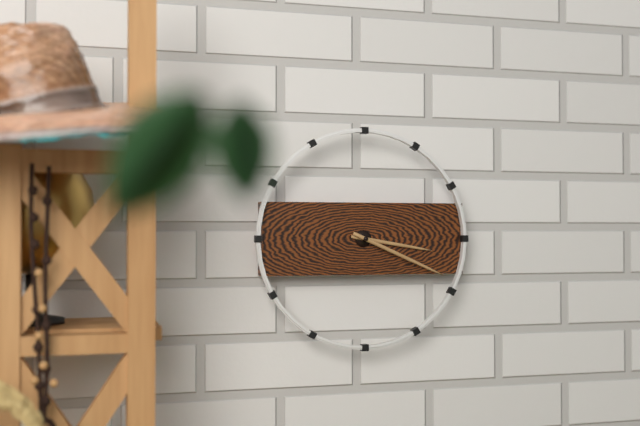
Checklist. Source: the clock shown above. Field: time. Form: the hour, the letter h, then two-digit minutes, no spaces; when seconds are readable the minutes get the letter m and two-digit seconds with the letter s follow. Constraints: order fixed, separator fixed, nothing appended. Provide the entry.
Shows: 3h19
